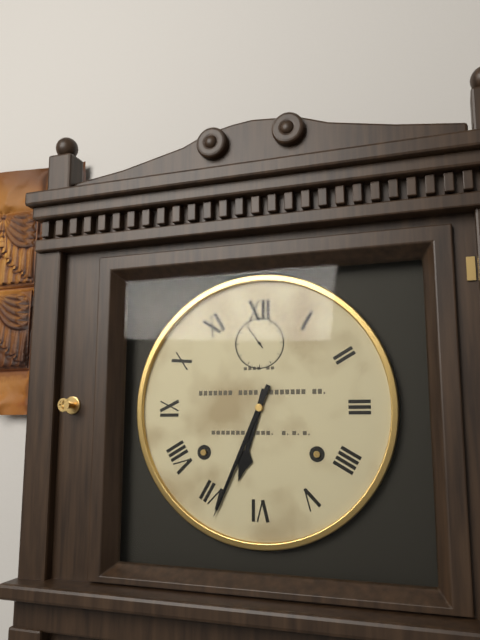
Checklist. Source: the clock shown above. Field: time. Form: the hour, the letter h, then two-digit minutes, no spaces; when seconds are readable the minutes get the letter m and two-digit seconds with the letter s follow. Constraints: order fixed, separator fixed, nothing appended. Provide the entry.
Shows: 6h34
